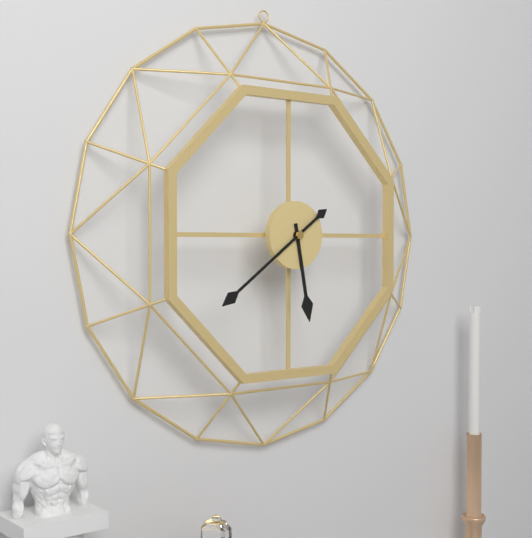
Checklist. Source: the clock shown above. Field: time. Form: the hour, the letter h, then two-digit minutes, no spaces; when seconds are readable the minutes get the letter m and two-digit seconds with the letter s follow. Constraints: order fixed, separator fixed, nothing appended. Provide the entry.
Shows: 5h39
